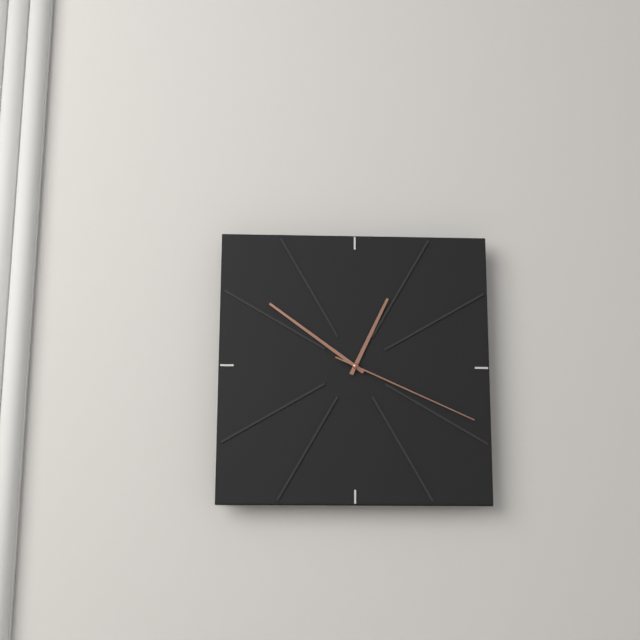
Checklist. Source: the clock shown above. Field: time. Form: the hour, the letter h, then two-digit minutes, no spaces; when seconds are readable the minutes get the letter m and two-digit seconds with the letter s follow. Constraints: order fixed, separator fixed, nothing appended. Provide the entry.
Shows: 12h51m19s
